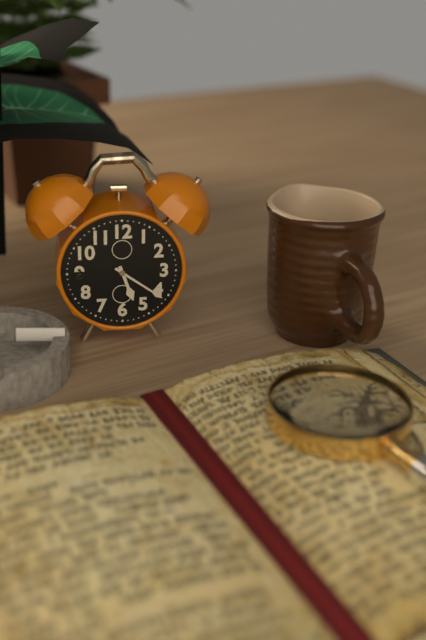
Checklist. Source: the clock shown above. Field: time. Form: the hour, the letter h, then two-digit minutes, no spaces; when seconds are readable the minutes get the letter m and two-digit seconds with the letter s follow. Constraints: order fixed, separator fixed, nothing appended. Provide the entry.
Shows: 5h21
